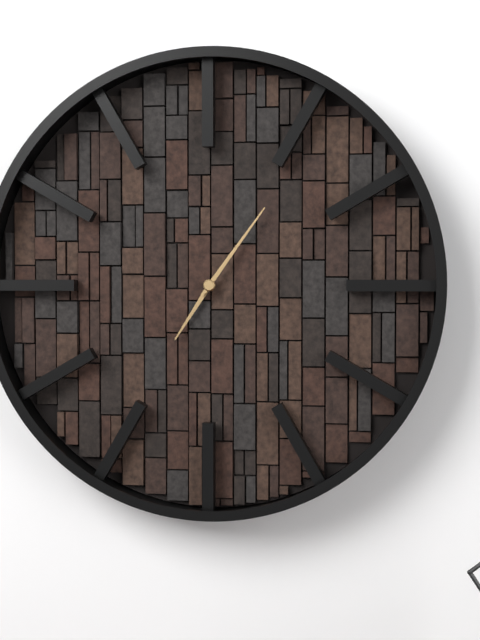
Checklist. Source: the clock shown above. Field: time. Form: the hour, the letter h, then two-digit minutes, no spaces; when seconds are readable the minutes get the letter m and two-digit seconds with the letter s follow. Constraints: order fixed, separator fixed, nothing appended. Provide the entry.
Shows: 7h06
